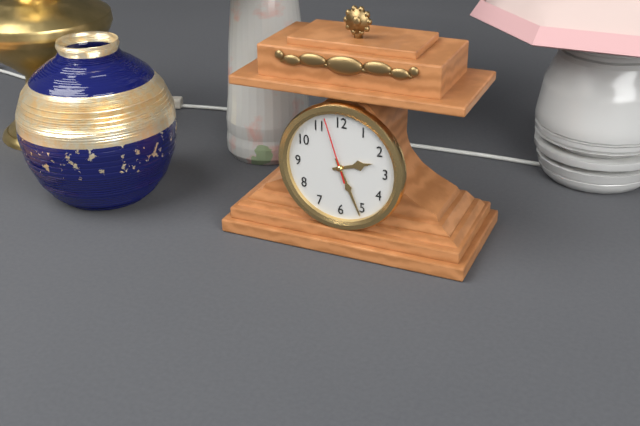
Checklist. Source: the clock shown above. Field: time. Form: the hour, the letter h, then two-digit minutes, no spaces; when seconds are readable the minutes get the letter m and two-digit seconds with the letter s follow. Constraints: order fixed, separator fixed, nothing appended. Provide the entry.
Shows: 2h26m57s
